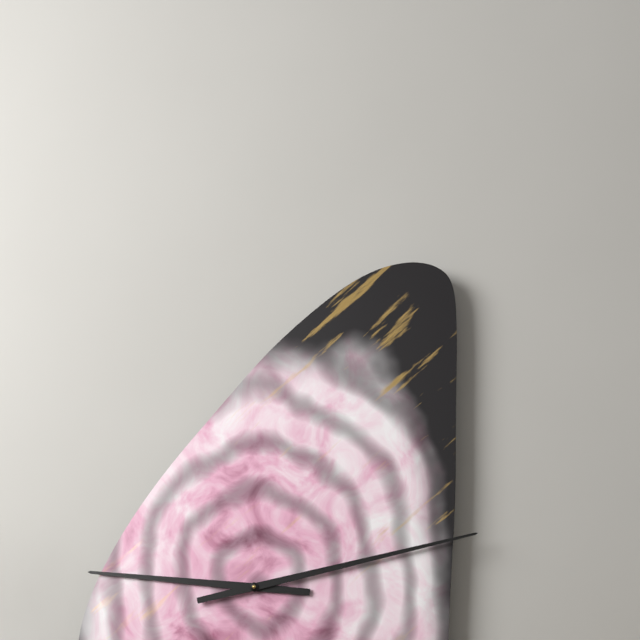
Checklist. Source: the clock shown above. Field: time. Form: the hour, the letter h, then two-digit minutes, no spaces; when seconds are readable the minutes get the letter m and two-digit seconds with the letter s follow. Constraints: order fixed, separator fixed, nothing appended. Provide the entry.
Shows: 9h13
